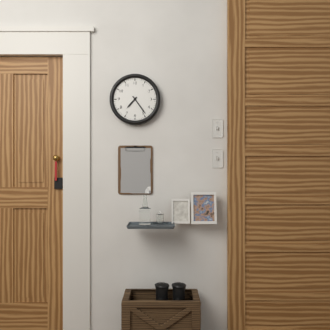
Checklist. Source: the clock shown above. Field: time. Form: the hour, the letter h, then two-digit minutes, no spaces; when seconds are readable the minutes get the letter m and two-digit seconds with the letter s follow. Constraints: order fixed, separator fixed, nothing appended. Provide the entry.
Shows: 7h24
